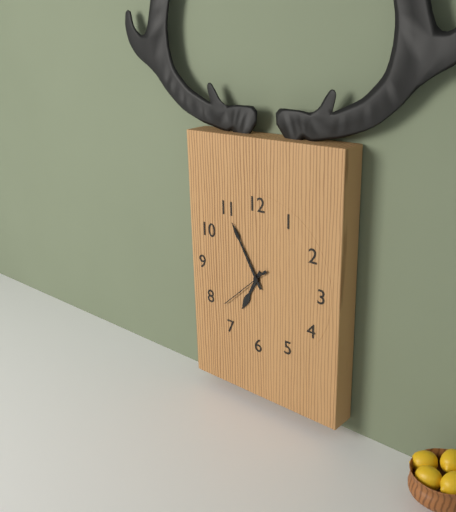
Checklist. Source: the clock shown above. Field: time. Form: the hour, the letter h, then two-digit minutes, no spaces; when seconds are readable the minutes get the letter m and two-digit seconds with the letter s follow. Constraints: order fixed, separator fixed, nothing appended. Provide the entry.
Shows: 6h55m38s
